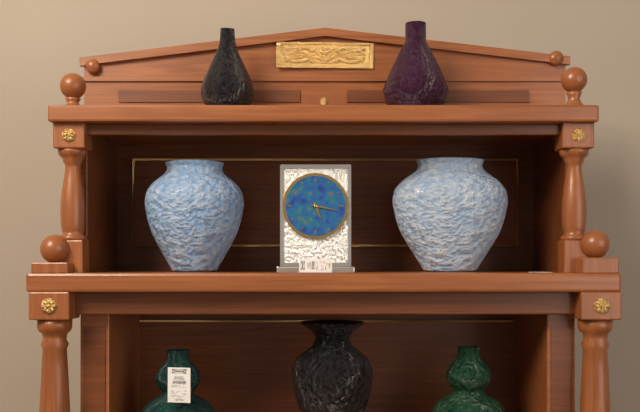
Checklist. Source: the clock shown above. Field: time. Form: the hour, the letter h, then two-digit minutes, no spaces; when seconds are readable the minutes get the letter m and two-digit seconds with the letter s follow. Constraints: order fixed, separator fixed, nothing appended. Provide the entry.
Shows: 5h17
